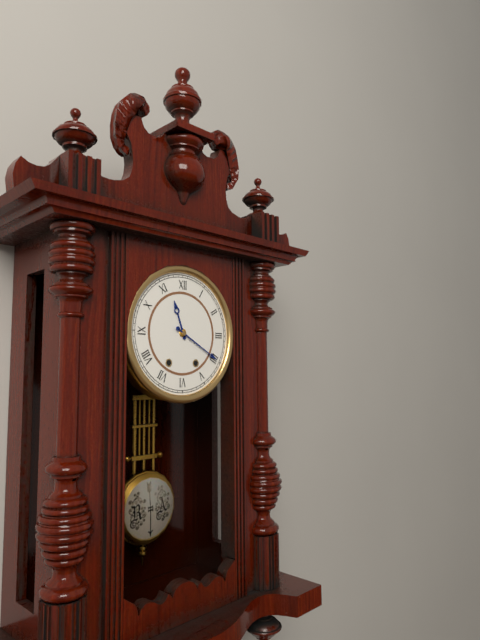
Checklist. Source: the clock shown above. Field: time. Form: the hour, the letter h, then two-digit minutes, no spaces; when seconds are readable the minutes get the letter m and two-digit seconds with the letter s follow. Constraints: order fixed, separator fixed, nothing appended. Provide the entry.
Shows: 11h20
